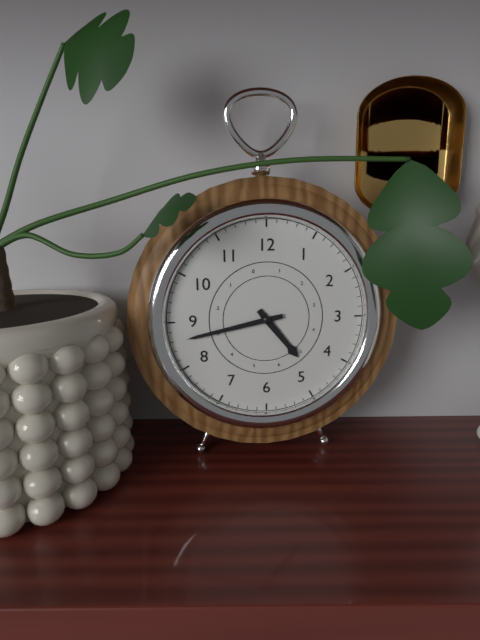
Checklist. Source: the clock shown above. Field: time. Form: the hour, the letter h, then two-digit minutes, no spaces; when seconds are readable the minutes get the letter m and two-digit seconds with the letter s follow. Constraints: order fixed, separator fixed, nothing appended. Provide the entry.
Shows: 4h43
